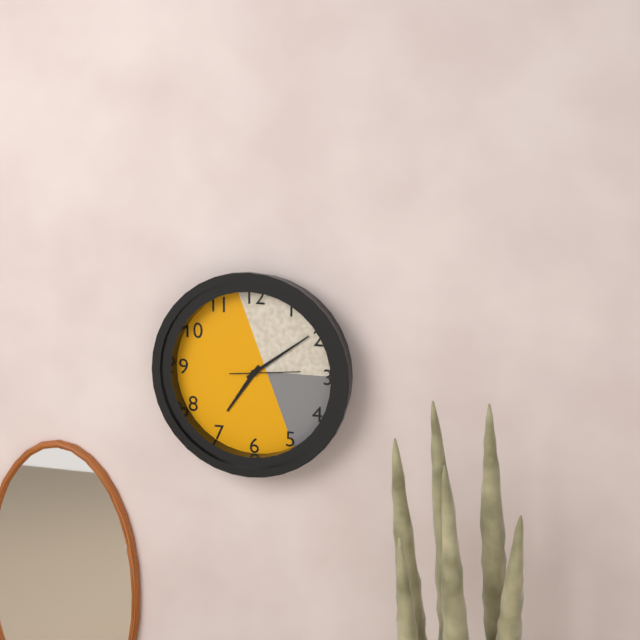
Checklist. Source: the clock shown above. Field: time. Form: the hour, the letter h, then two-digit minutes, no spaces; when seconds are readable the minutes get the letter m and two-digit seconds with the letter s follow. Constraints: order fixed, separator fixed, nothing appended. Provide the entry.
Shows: 7h09m14s
